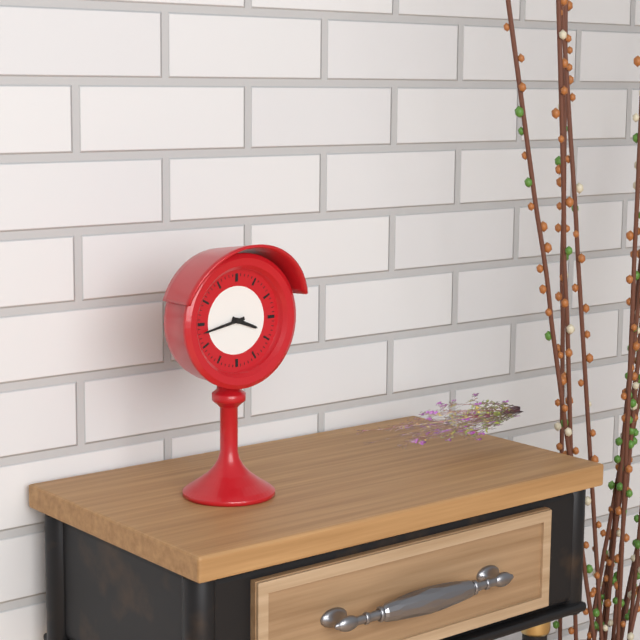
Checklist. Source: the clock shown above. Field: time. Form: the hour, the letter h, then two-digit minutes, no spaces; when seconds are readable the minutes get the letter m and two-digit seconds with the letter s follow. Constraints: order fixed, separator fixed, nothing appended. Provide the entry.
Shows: 3h43
